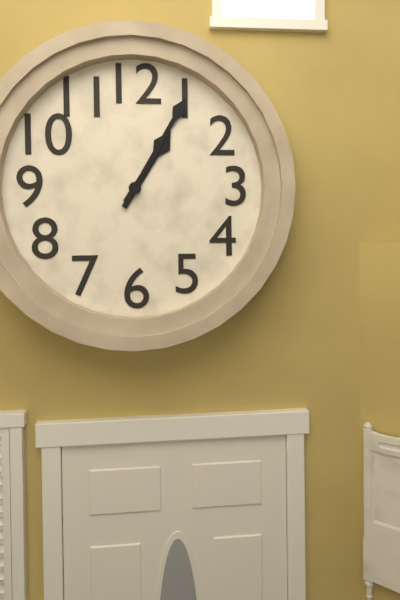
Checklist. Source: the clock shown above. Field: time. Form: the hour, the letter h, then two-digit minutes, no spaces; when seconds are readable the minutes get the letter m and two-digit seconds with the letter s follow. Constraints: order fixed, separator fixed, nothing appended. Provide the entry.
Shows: 1h05
